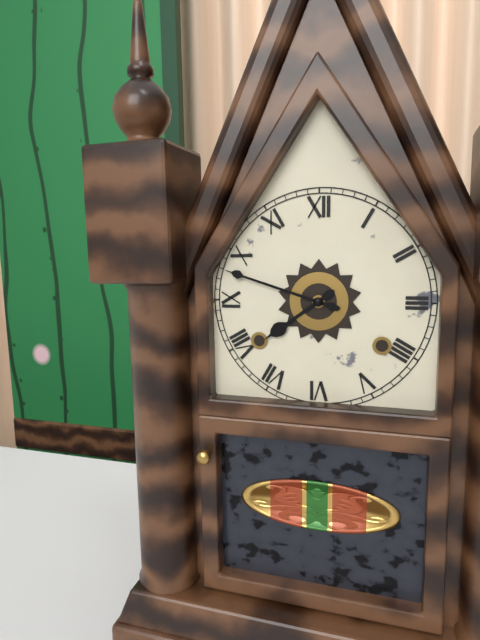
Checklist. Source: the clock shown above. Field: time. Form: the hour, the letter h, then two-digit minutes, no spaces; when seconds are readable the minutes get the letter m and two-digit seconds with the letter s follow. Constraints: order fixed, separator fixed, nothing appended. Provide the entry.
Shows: 7h48
